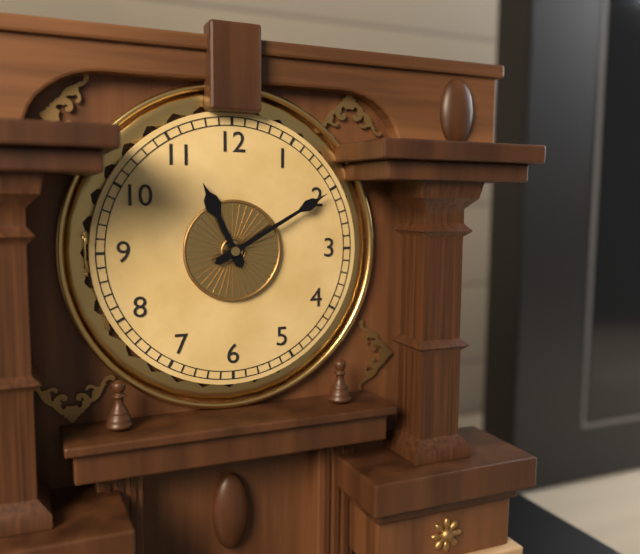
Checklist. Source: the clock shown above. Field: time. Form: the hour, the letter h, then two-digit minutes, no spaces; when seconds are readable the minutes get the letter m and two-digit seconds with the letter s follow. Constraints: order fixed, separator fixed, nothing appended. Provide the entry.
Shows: 11h10
